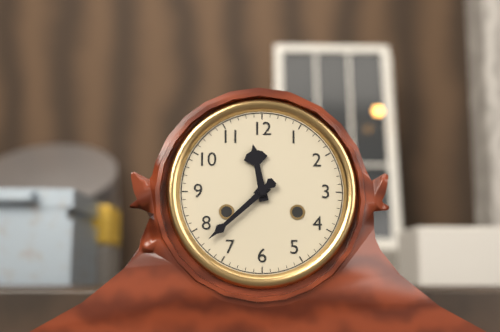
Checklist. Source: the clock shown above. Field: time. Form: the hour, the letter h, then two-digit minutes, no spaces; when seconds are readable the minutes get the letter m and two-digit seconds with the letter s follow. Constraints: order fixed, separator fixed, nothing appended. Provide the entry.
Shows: 11h38
